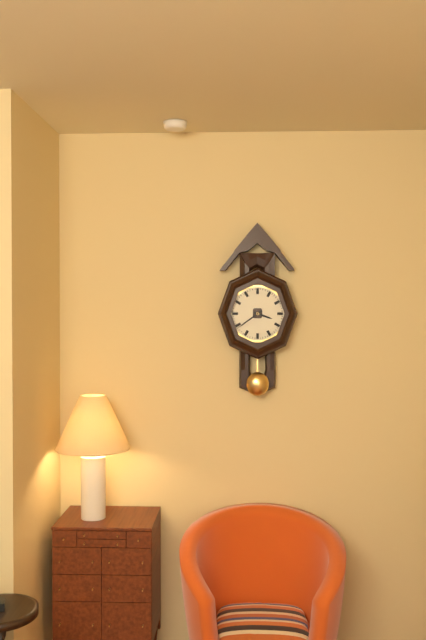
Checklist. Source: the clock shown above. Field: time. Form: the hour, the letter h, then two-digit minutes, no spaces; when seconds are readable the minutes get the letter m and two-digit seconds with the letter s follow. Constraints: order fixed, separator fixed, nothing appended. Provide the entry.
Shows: 3h39
